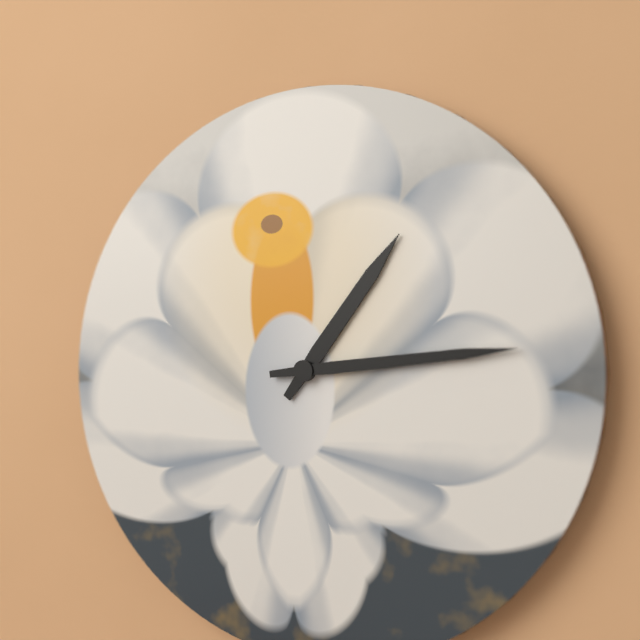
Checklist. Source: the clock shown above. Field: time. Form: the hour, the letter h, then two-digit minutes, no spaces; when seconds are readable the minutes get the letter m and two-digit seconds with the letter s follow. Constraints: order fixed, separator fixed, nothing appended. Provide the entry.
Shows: 1h14
